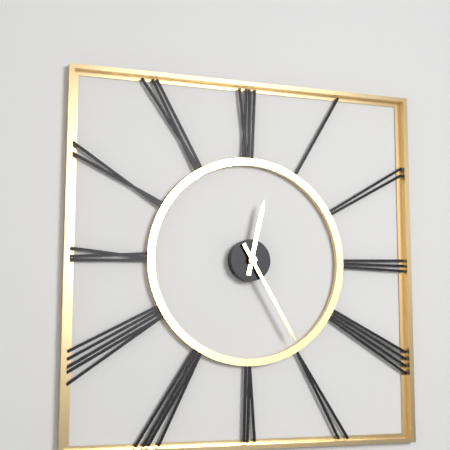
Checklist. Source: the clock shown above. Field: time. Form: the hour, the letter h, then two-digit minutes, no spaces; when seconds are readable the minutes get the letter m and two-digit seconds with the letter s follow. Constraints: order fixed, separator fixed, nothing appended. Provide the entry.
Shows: 12h25
